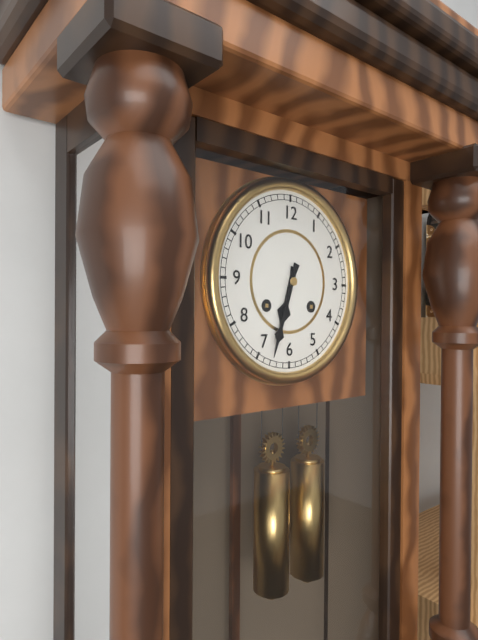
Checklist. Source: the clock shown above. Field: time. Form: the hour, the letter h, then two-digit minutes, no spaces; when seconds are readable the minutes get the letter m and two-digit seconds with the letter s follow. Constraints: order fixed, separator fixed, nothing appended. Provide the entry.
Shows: 6h33
